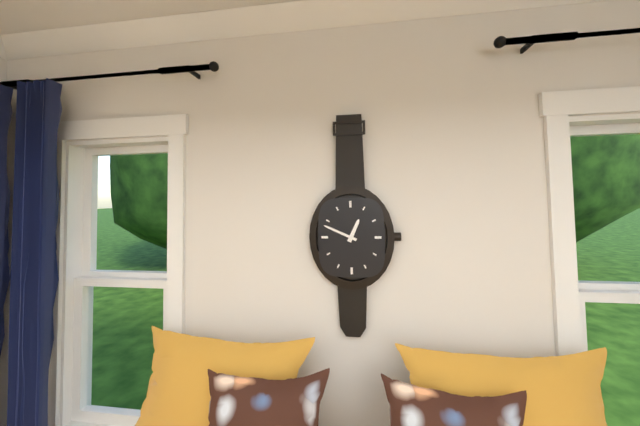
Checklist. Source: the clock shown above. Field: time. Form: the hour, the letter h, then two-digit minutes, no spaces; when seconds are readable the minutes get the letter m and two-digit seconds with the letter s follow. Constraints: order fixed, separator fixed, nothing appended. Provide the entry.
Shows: 12h49
